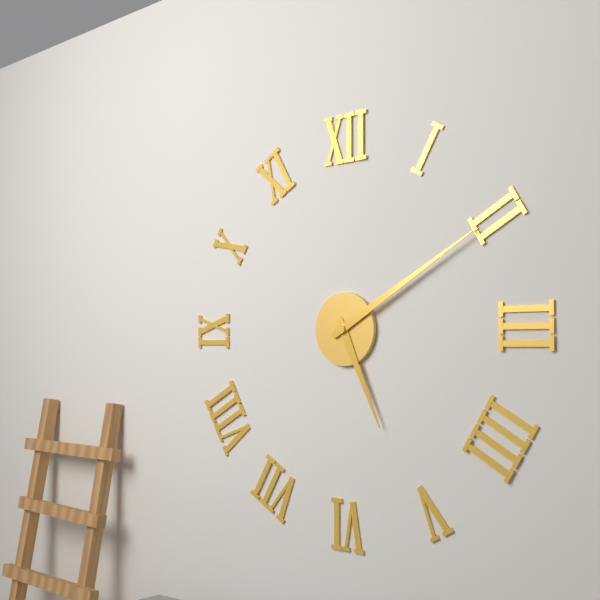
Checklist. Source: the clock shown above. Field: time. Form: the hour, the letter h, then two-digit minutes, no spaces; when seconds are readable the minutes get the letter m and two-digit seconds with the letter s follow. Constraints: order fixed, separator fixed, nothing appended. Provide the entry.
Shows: 5h10
